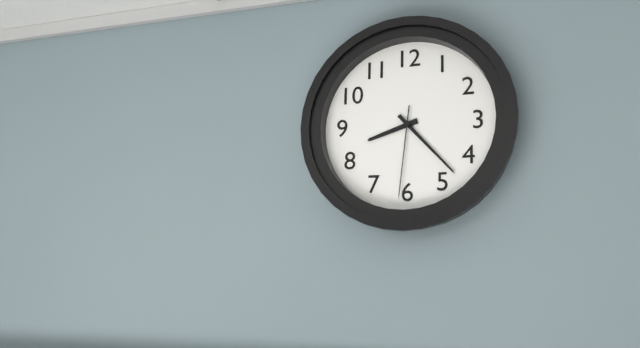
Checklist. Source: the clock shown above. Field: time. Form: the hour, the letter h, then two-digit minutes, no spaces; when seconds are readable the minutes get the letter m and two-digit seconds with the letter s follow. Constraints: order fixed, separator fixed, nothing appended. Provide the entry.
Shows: 8h23m31s
